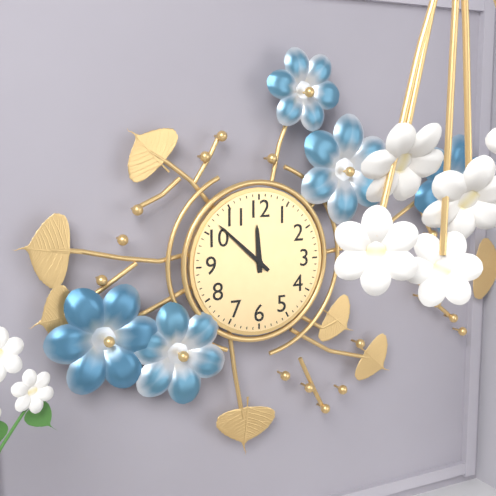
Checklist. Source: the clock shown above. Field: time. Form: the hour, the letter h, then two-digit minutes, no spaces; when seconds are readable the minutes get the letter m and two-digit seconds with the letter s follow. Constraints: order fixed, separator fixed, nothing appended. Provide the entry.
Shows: 11h52
